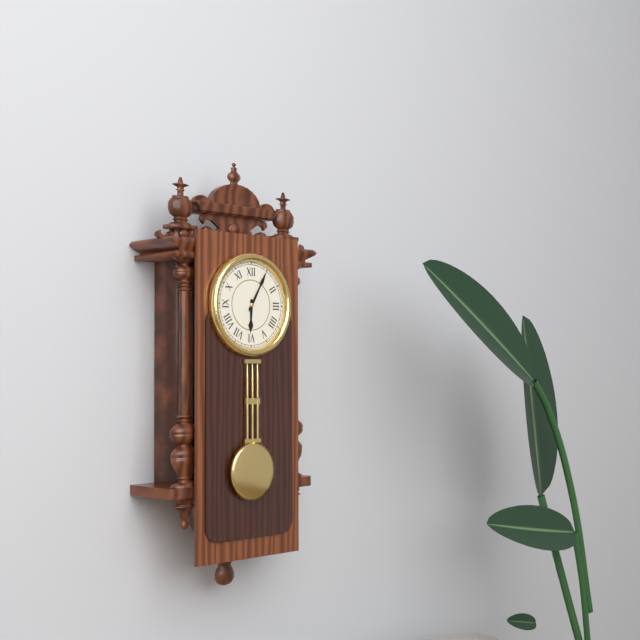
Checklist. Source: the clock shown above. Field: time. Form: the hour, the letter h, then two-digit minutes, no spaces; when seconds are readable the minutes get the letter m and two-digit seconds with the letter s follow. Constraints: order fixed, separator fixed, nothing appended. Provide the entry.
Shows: 6h05
